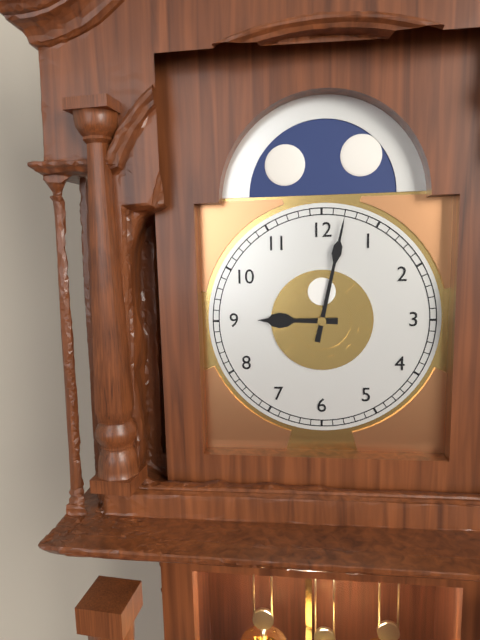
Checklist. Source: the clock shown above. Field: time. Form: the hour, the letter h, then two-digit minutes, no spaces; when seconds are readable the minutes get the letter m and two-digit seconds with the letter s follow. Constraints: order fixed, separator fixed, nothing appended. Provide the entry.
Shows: 9h02
